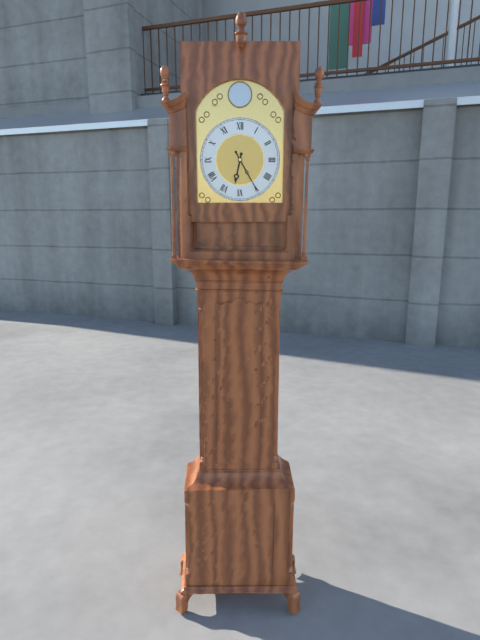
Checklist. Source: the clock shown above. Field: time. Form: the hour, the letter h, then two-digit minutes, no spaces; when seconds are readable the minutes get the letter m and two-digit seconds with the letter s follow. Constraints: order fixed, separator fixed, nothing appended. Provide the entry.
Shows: 6h25
